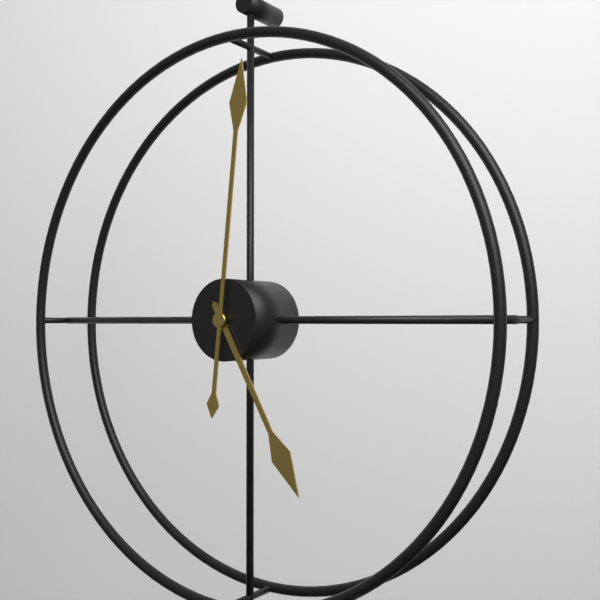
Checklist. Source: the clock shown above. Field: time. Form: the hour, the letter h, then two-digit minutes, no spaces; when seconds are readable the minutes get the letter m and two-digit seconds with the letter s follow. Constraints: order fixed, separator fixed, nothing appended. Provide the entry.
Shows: 5h01
